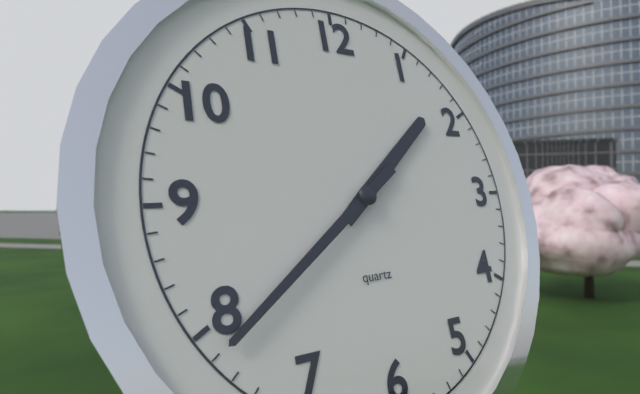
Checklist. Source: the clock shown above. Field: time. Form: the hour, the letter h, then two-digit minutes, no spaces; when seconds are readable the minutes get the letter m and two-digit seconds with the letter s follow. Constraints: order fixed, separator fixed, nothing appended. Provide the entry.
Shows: 1h39
